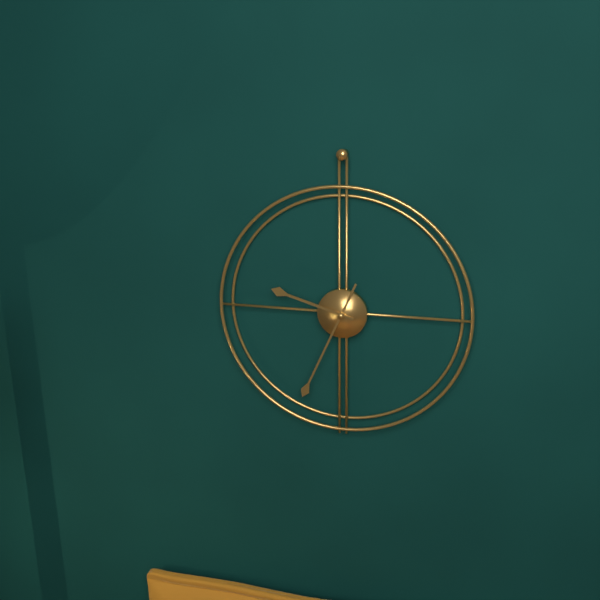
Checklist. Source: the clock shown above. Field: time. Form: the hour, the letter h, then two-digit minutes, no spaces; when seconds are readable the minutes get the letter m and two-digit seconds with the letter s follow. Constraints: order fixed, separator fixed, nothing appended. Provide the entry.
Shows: 9h34
